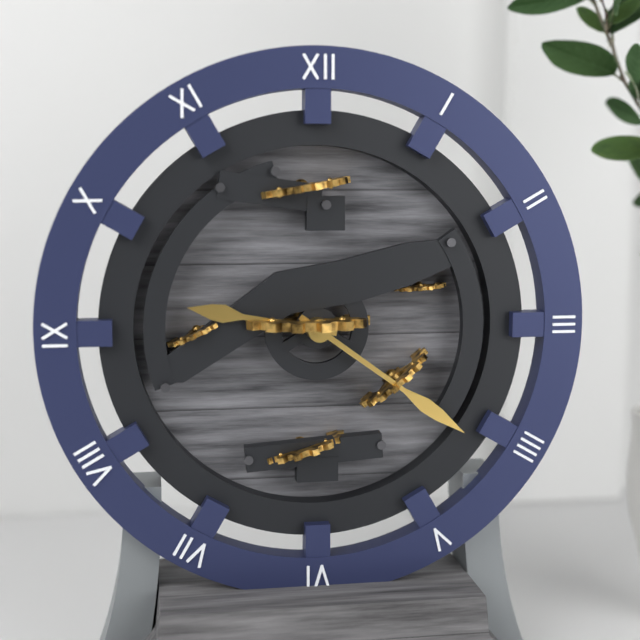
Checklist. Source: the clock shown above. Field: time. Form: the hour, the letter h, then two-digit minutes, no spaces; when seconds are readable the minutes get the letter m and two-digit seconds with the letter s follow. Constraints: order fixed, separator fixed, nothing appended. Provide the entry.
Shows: 9h21
